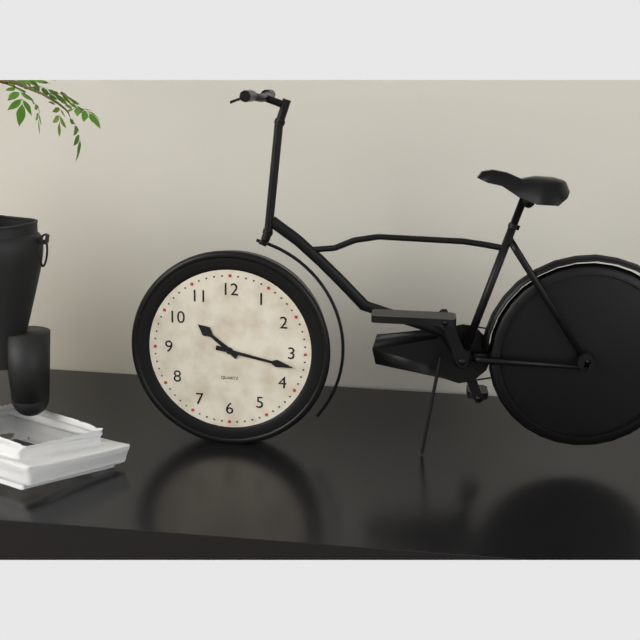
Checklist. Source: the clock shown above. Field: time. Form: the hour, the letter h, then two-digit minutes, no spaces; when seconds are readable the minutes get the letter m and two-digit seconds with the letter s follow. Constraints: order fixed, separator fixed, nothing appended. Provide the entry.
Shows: 10h17
